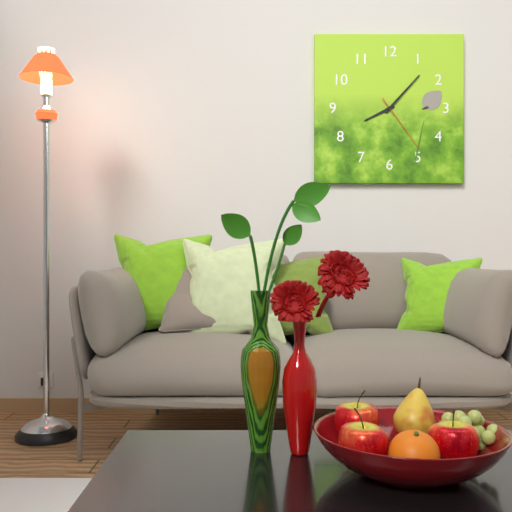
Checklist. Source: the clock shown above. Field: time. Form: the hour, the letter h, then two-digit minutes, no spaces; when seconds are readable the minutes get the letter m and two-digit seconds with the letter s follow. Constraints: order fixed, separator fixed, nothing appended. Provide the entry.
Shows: 8h07m24s
